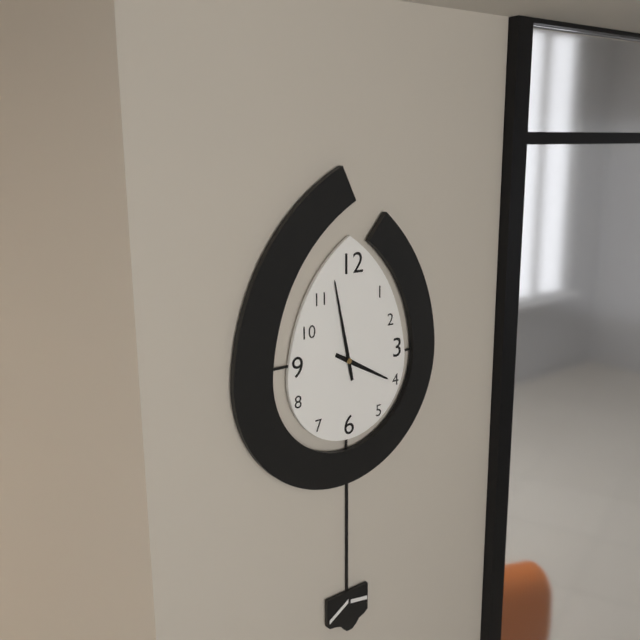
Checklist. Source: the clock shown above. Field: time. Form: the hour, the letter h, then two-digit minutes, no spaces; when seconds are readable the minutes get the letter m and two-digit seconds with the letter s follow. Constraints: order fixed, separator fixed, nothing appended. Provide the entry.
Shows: 3h58
